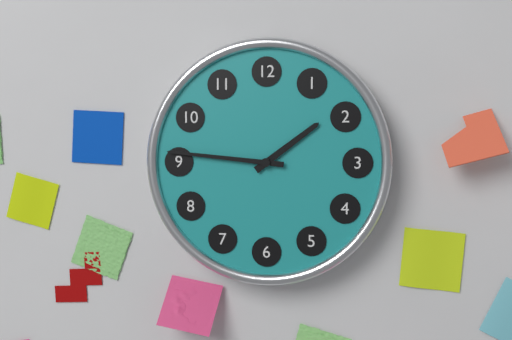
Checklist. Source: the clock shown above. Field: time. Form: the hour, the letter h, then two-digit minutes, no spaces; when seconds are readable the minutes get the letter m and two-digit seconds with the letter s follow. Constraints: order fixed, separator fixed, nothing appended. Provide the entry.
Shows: 1h46
